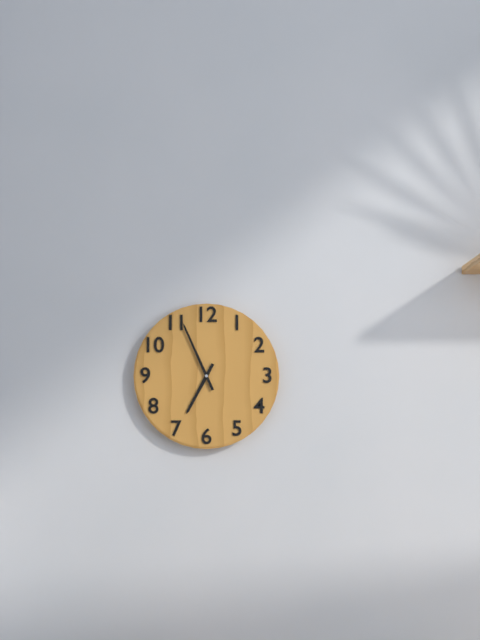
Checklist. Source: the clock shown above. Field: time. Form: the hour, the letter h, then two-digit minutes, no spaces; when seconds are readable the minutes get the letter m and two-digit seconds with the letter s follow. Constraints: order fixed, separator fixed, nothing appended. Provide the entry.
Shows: 6h56
